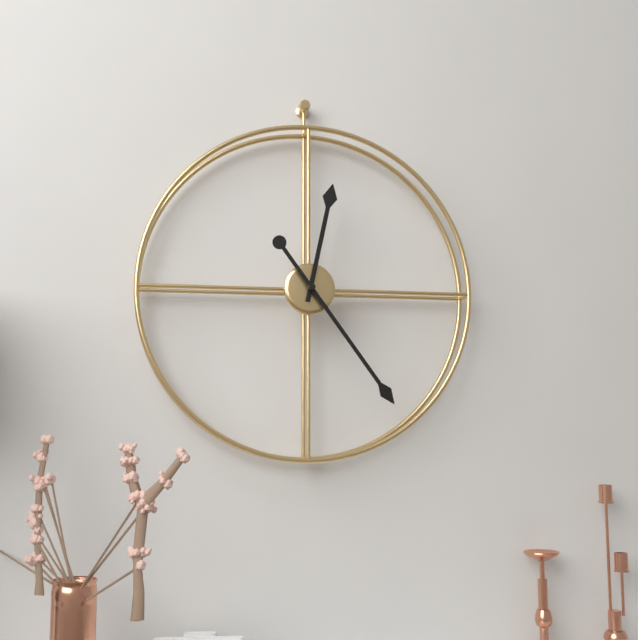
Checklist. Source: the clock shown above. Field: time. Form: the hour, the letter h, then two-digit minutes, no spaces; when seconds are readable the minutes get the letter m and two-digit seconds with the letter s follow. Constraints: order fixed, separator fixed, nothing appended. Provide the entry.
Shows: 12h24
